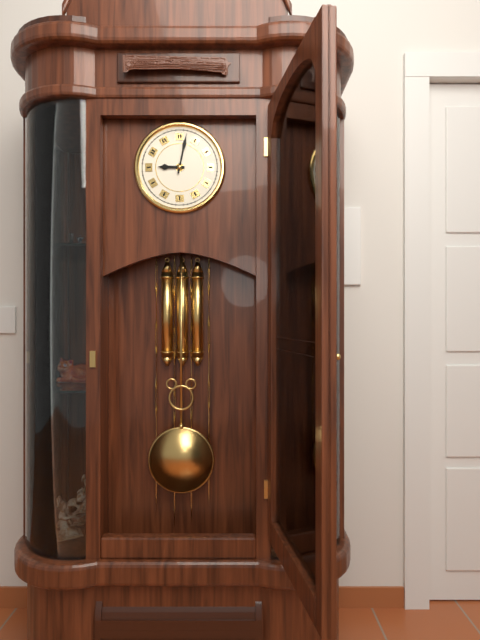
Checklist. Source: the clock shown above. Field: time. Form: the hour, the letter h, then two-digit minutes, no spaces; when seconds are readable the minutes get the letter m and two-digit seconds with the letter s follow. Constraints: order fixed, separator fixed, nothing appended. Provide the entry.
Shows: 9h02
